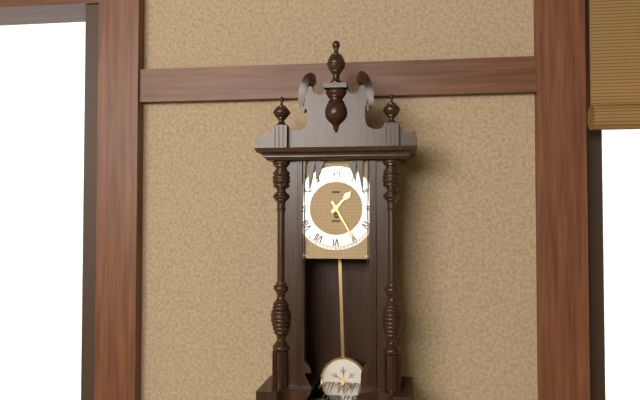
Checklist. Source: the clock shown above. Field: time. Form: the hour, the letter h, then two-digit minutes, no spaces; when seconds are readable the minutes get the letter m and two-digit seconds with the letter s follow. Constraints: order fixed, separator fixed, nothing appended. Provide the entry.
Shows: 1h25
